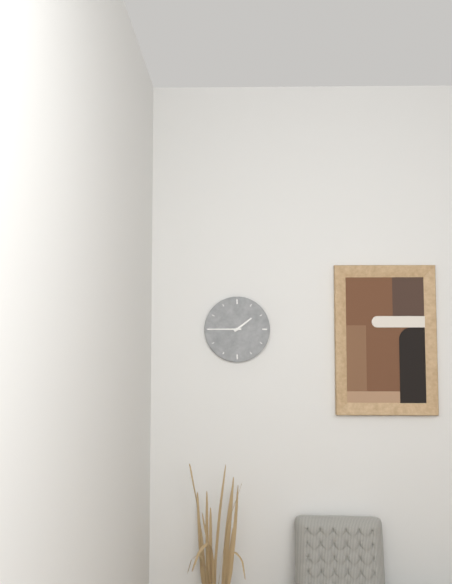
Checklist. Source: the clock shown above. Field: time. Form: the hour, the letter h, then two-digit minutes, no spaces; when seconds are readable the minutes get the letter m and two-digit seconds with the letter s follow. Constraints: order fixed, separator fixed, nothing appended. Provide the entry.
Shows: 1h45
